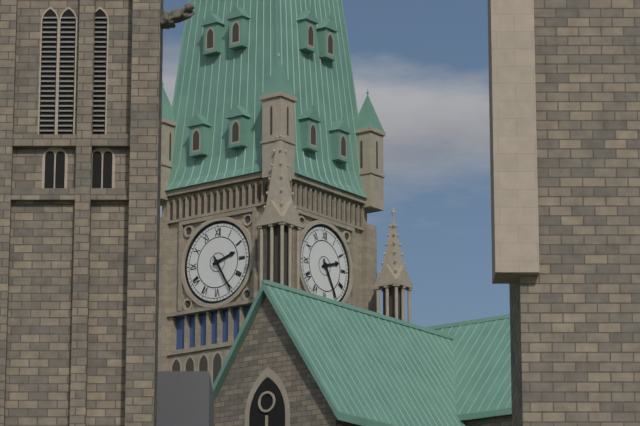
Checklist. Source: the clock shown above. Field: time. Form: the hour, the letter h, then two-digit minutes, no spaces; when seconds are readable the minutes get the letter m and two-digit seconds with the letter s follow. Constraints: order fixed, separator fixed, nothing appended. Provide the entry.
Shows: 2h25
